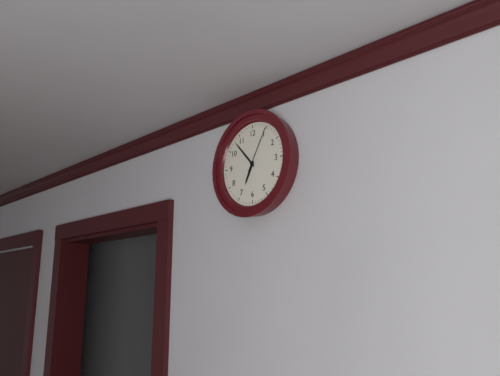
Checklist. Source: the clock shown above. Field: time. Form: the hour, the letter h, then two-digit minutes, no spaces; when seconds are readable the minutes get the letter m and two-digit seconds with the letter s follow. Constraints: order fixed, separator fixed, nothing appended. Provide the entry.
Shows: 6h53
